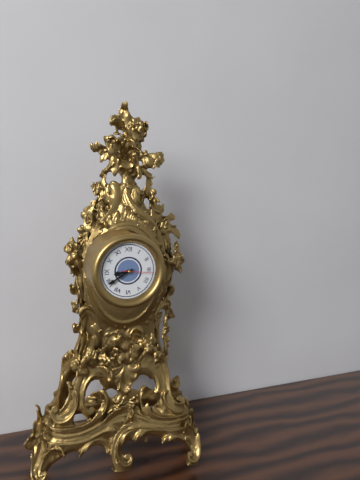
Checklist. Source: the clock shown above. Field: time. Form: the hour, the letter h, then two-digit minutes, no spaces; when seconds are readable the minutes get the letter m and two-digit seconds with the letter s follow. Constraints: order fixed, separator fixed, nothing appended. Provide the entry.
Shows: 8h40
